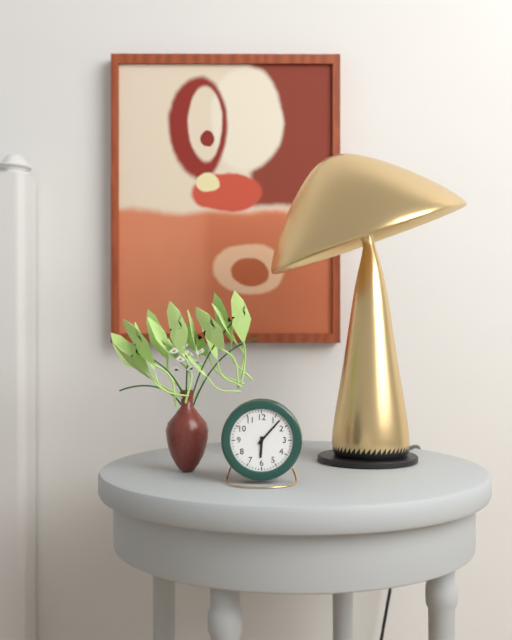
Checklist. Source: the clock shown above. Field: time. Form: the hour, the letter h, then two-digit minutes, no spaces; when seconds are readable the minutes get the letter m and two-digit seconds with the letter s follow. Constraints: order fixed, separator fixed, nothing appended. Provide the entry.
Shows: 6h07
